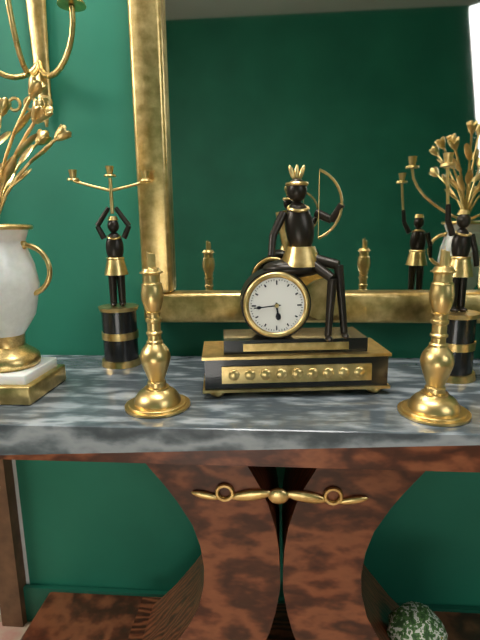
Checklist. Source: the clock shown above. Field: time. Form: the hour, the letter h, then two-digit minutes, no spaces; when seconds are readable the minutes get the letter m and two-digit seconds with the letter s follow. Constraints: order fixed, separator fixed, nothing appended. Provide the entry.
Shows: 5h44
